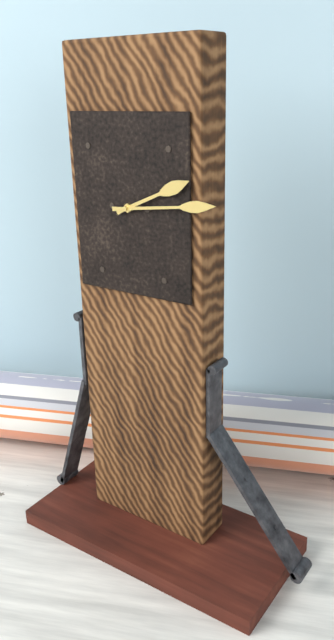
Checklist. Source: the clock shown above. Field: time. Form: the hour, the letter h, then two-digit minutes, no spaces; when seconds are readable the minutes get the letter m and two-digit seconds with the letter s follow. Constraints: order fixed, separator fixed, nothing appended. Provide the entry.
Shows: 2h14
